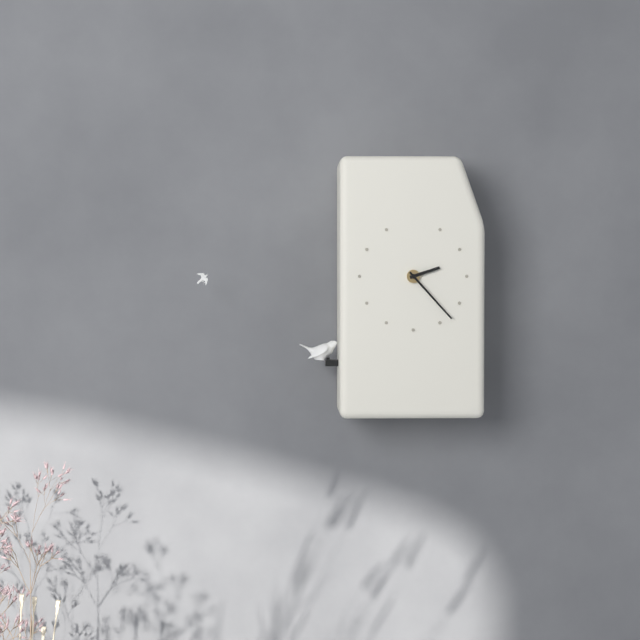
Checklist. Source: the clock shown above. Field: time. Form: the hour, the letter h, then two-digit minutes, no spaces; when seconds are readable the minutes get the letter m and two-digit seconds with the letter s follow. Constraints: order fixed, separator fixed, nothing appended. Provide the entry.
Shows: 2h23
